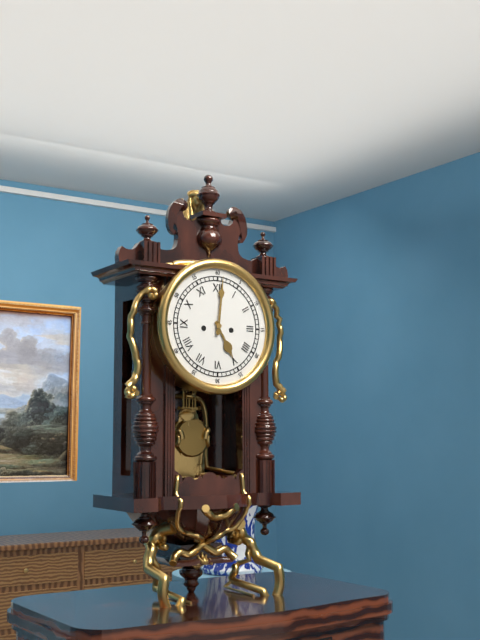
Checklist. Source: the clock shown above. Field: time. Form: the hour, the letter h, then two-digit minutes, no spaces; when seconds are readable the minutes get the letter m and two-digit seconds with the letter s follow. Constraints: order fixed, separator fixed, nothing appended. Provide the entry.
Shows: 5h01
